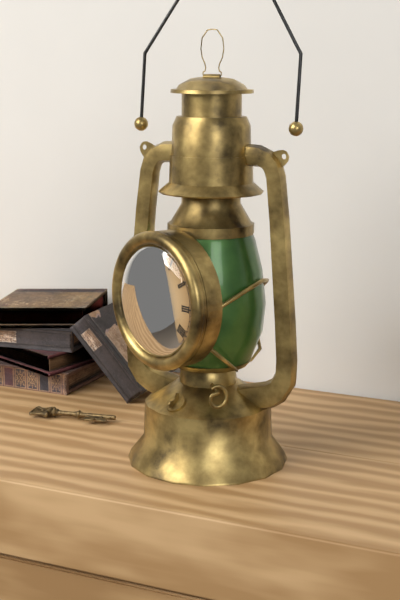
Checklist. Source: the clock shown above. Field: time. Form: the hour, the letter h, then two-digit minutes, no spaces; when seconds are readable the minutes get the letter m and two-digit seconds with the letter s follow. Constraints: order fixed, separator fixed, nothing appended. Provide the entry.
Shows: 11h47
